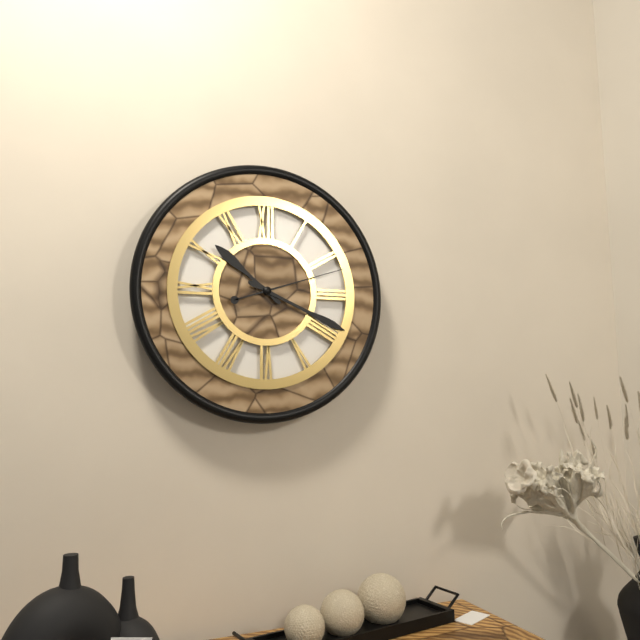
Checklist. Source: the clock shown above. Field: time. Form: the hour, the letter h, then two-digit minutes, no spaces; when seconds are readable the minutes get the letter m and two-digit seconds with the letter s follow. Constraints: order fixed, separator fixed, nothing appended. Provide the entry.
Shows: 10h19m12s
